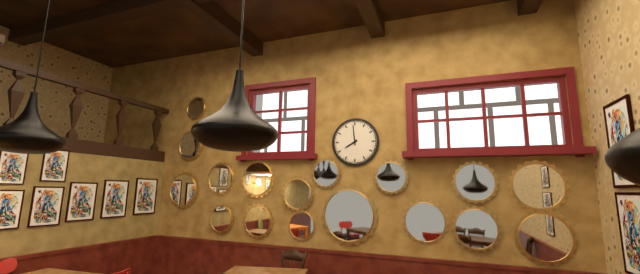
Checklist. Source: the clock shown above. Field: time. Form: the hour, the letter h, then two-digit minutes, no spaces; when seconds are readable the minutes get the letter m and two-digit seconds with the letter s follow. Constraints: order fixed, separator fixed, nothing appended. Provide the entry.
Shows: 7h59
